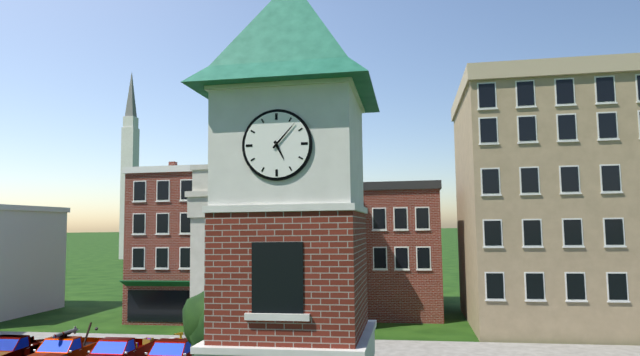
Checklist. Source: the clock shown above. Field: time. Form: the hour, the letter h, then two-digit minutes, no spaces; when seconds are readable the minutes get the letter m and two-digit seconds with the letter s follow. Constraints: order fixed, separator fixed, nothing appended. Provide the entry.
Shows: 5h07
